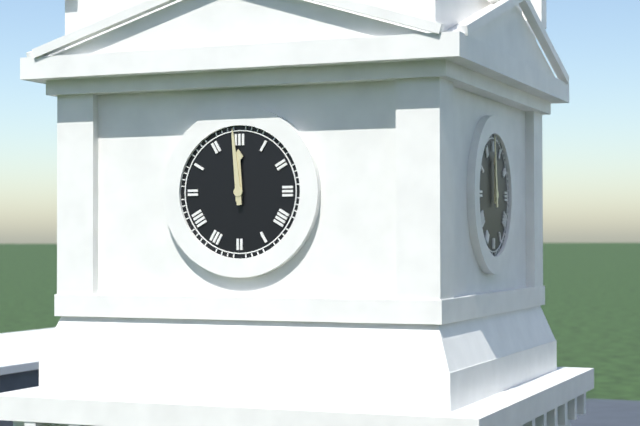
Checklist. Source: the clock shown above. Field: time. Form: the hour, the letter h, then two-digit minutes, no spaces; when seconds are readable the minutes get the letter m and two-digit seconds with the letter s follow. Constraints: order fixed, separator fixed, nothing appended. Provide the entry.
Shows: 11h59
